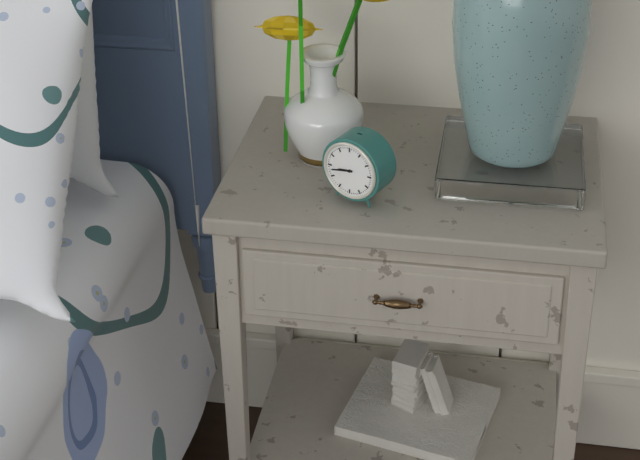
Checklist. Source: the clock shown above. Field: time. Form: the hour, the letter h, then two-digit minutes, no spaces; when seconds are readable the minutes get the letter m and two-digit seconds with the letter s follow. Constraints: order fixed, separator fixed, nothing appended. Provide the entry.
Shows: 8h43
